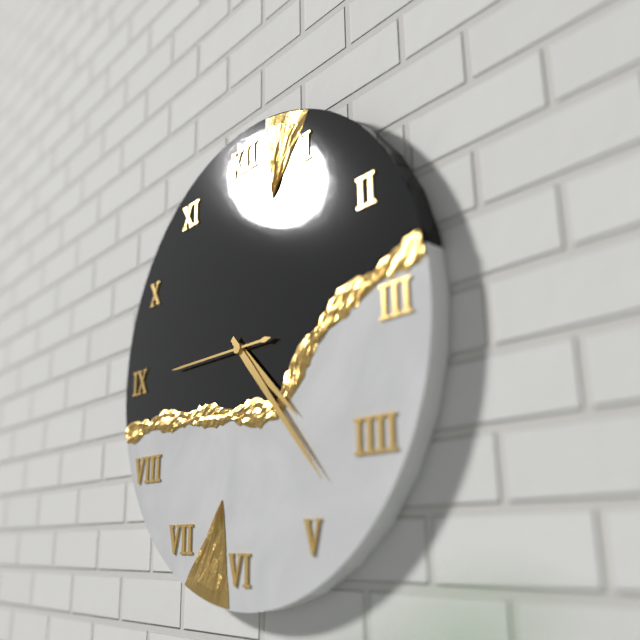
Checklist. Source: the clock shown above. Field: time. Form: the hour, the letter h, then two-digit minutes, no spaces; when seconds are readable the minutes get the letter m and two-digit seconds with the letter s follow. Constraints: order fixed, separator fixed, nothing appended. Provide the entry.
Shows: 4h23m45s
